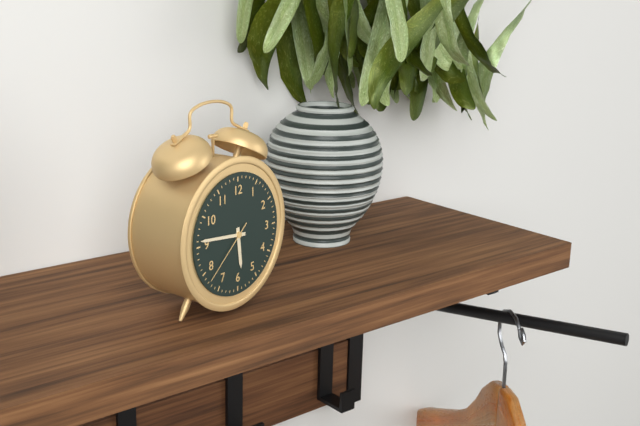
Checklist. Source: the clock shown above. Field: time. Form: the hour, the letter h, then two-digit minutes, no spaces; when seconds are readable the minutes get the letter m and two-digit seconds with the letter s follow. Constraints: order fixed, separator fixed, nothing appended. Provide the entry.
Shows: 5h46m38s
